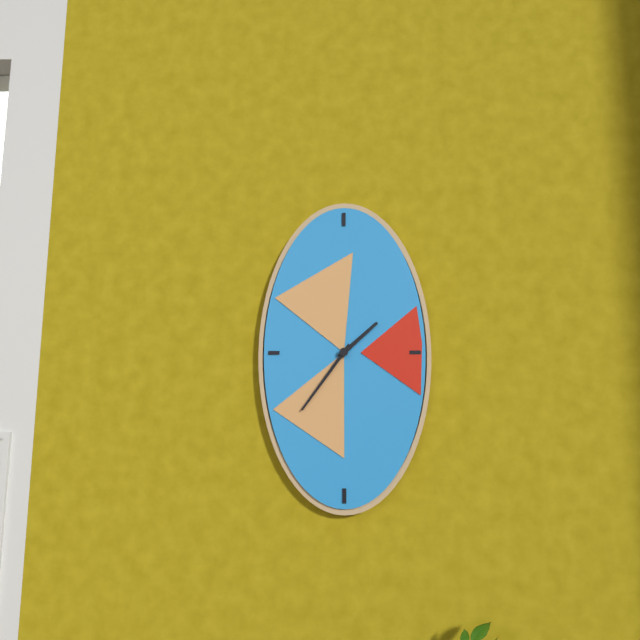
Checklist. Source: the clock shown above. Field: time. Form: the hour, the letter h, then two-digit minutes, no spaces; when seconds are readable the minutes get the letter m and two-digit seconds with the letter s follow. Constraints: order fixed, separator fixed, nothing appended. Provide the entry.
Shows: 1h36
